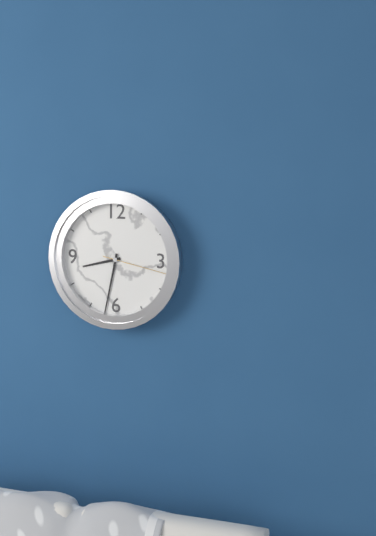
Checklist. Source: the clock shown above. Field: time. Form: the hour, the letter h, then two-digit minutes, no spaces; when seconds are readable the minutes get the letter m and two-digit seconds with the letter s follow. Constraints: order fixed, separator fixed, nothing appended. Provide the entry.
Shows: 8h32m17s
